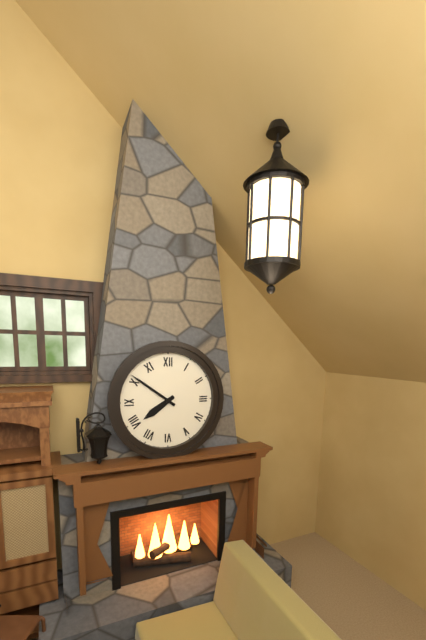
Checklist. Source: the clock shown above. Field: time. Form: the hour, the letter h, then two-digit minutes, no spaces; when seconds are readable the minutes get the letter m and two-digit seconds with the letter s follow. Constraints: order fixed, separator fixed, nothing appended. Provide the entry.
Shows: 7h51
